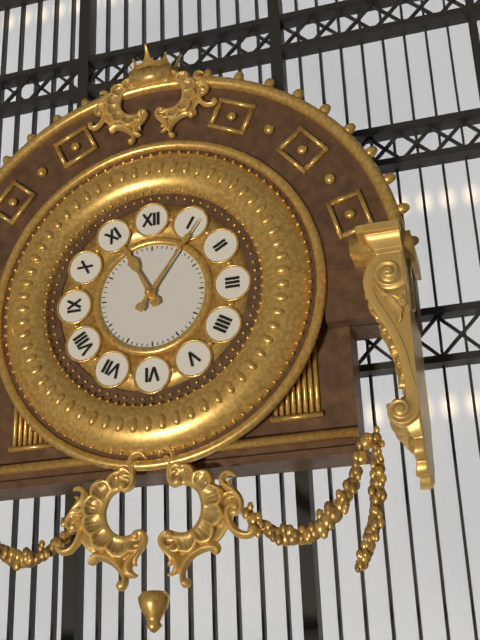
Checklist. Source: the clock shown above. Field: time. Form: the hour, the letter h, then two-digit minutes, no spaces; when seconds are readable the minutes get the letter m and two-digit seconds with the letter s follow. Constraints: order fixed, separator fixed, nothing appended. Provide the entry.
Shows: 11h06
